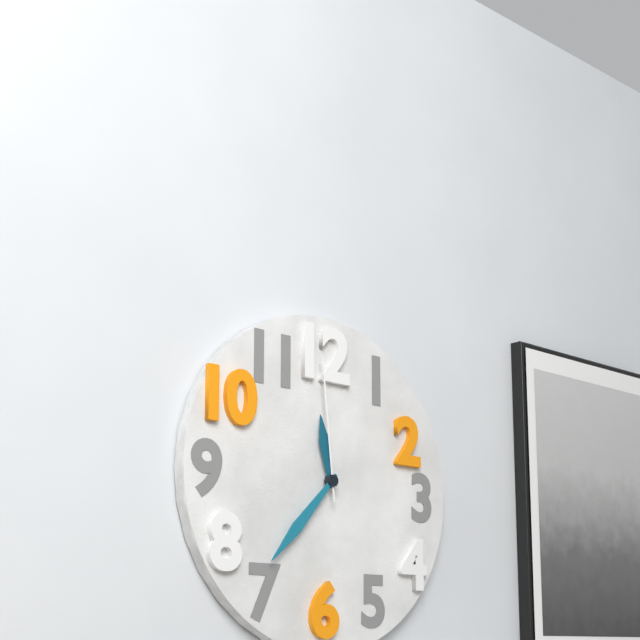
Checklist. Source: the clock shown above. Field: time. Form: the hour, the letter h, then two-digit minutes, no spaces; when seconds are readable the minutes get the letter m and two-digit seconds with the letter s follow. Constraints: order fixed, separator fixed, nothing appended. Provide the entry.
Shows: 11h37m59s
